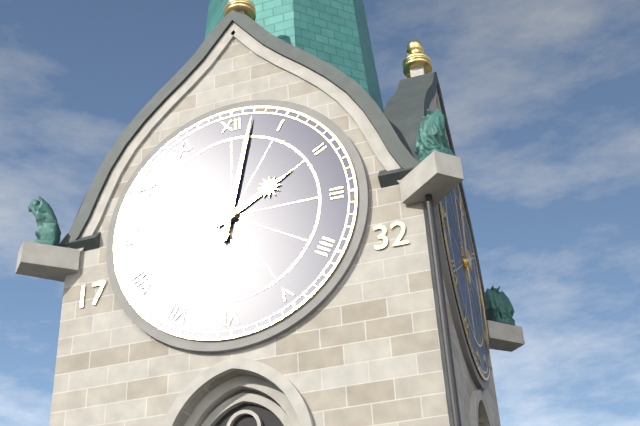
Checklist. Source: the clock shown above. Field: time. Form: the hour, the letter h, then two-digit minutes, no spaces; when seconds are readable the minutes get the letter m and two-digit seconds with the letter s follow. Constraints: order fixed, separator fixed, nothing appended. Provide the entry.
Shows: 2h02
